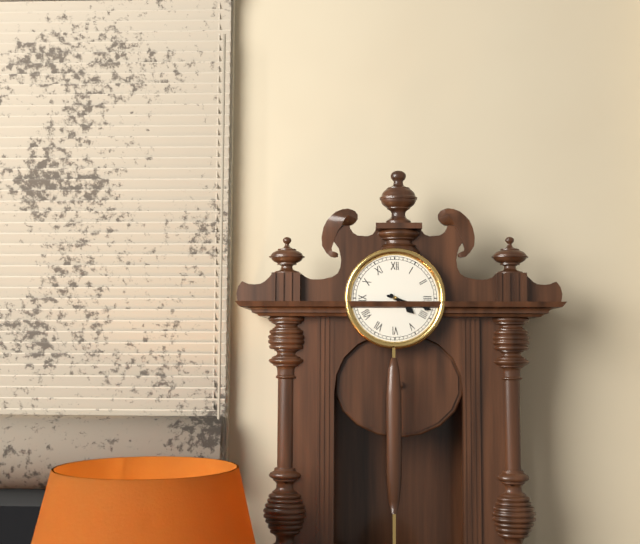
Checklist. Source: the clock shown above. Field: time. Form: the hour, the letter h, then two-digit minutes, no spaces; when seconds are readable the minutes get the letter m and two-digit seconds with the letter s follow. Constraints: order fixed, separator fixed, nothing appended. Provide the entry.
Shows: 4h18
